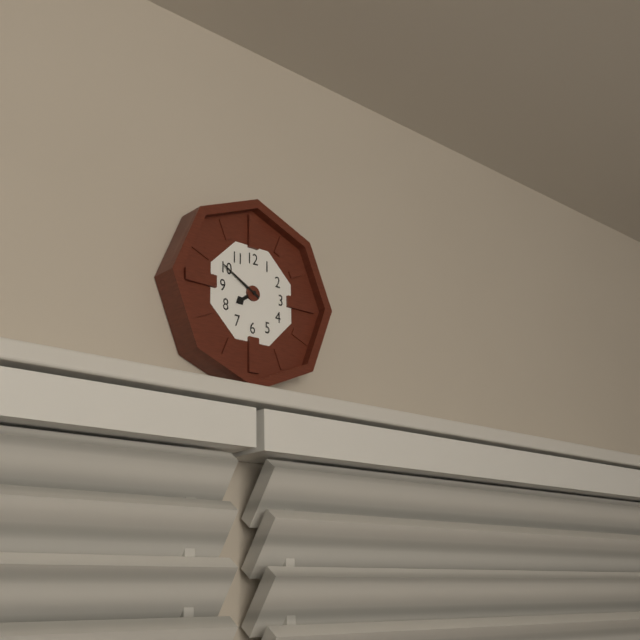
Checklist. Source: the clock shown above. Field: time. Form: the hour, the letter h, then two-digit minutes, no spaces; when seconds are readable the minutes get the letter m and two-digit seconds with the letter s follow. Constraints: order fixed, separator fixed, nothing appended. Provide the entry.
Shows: 7h50
